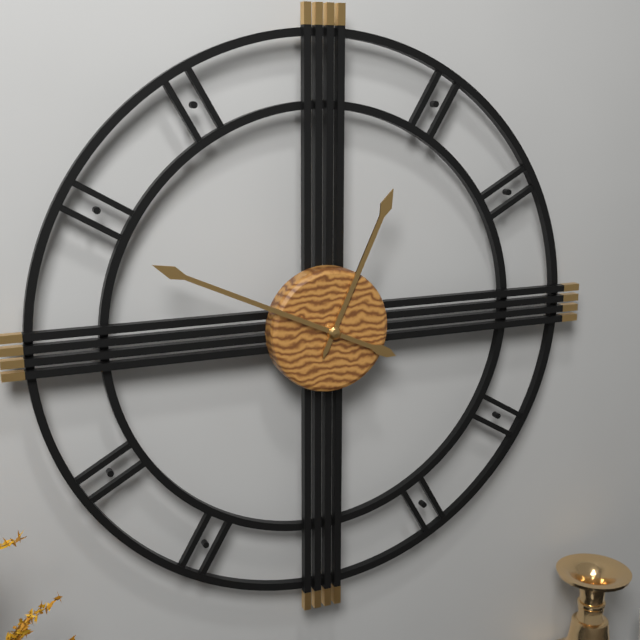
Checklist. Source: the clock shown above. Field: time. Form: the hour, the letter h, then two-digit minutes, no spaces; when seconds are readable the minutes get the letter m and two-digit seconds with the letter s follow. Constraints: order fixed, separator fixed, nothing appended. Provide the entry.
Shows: 12h49
